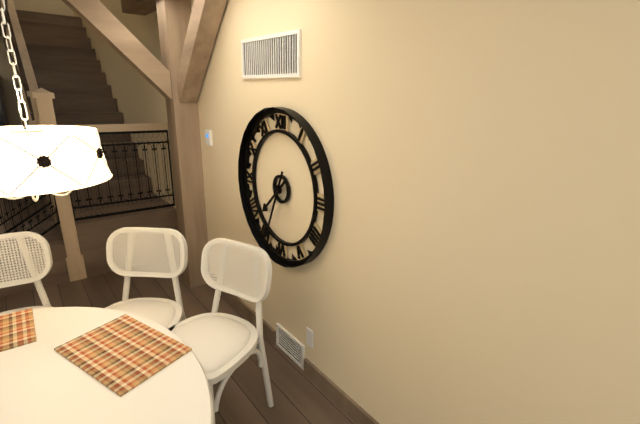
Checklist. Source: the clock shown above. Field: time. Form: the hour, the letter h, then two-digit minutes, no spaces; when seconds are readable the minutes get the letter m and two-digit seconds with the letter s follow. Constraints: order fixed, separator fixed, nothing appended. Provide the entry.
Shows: 7h34
